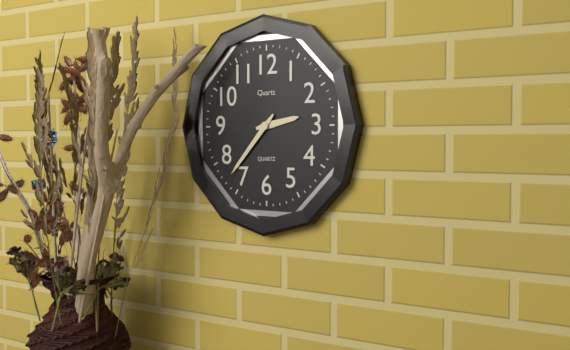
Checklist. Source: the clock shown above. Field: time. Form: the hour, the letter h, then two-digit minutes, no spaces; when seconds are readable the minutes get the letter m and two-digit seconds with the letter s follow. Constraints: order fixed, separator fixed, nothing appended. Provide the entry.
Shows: 2h37
